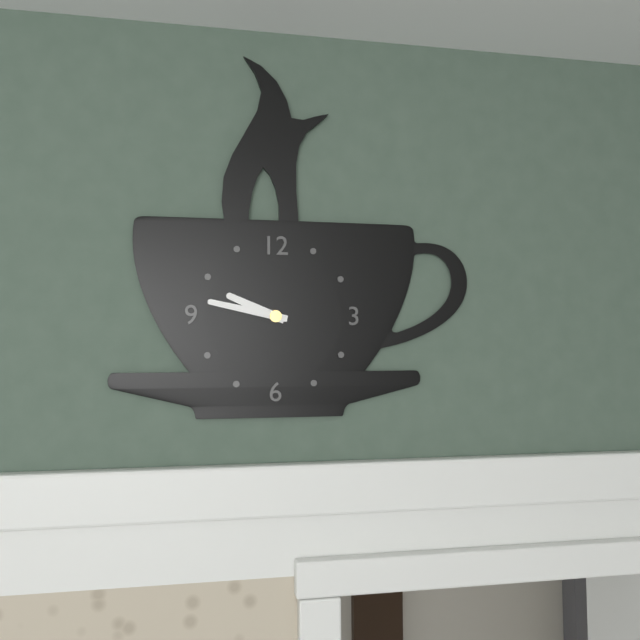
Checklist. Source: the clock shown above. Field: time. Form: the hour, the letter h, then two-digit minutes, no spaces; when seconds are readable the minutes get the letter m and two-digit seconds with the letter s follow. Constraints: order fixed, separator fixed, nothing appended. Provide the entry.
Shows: 9h47
